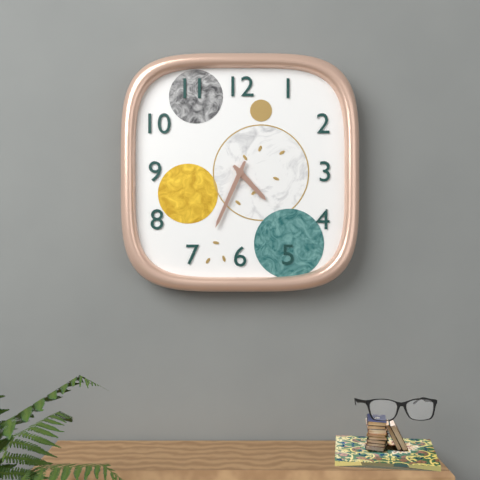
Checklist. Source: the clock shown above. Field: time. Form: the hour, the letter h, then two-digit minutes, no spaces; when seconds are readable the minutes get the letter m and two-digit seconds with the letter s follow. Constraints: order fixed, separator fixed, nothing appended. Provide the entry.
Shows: 4h34
